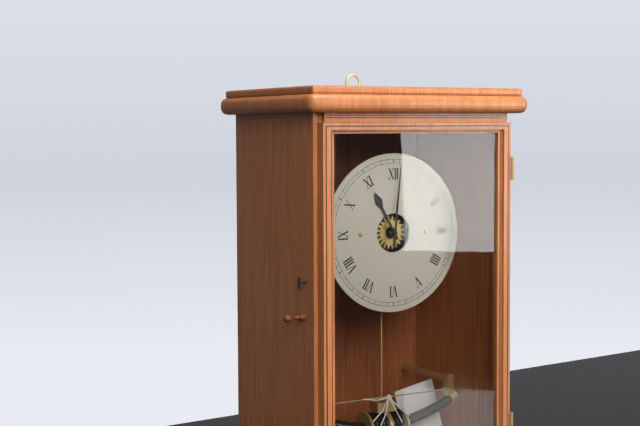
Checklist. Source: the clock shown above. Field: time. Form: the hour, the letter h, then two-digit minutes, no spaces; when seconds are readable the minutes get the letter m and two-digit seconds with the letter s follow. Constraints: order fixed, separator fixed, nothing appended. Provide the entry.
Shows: 11h01
